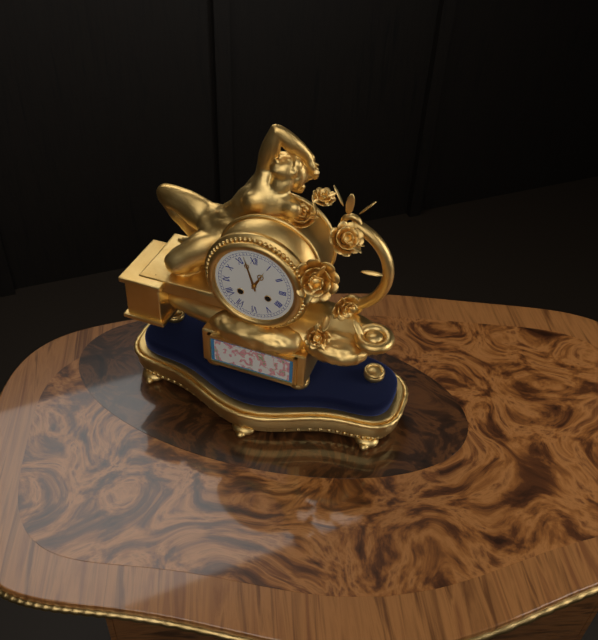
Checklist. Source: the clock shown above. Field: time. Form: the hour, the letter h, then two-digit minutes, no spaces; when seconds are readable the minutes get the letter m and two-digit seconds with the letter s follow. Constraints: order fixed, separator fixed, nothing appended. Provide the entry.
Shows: 12h57
